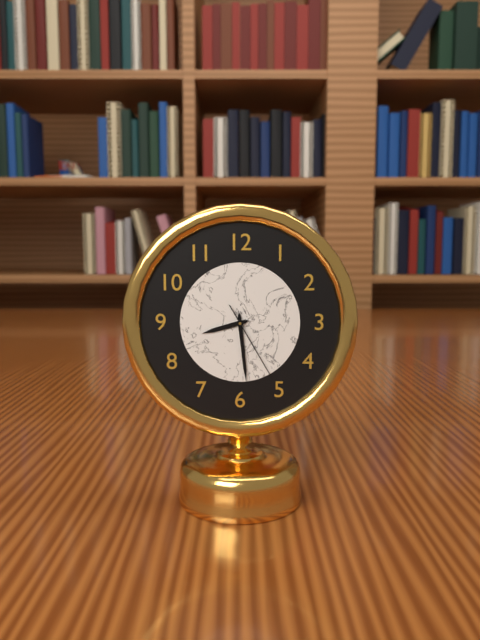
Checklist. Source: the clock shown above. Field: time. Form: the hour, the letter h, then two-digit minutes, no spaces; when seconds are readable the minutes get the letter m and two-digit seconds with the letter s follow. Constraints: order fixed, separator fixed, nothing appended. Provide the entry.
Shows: 8h29m25s
